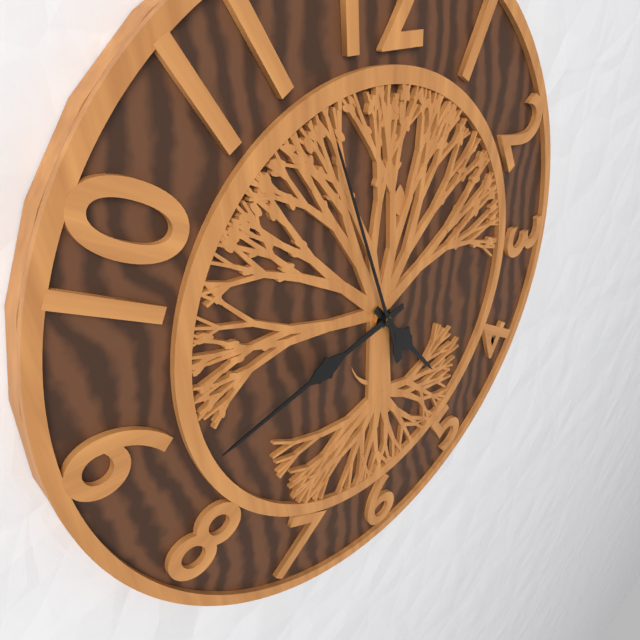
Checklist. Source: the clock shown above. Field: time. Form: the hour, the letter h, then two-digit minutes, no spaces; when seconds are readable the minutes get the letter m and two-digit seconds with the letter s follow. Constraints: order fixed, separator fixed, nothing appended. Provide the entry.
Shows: 4h43m57s
